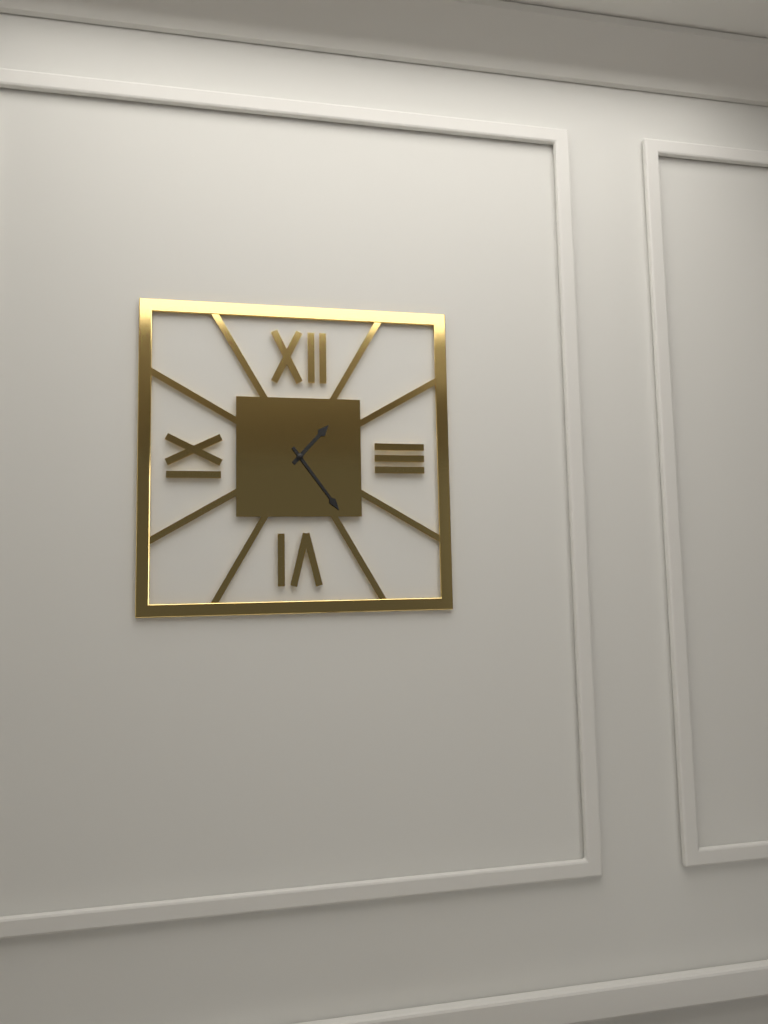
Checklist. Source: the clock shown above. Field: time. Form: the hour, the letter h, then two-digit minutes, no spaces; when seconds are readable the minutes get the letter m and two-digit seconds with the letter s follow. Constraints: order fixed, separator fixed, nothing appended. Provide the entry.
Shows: 1h24
